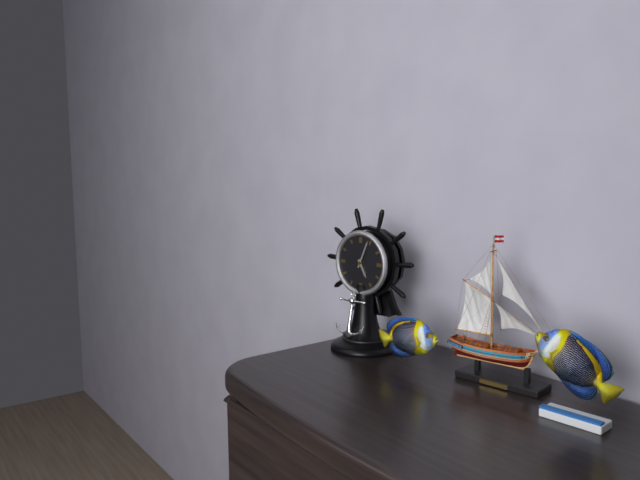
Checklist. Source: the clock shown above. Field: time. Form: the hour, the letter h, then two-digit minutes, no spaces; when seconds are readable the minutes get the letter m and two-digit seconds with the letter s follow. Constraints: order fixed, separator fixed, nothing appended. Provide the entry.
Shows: 5h04
